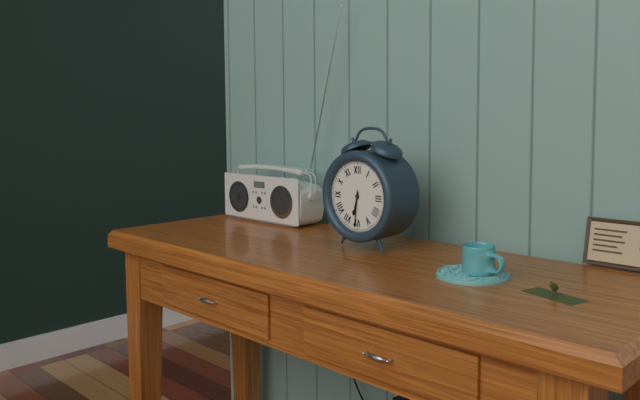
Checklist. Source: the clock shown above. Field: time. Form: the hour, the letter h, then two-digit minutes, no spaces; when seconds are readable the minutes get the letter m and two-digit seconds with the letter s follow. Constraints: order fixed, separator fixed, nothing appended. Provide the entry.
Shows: 6h31
